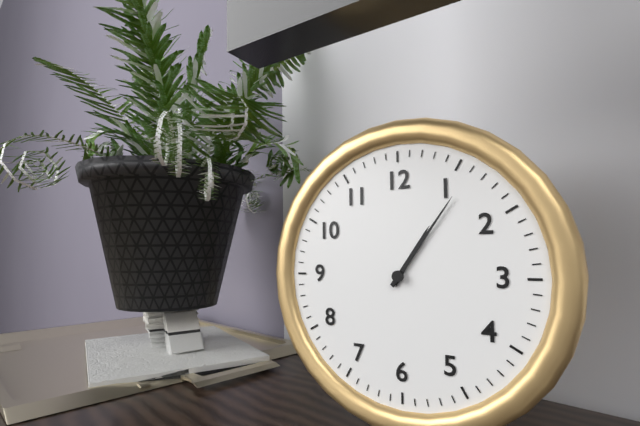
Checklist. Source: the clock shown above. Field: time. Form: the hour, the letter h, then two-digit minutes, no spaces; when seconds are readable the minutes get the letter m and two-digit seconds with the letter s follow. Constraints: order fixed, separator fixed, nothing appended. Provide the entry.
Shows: 1h06
